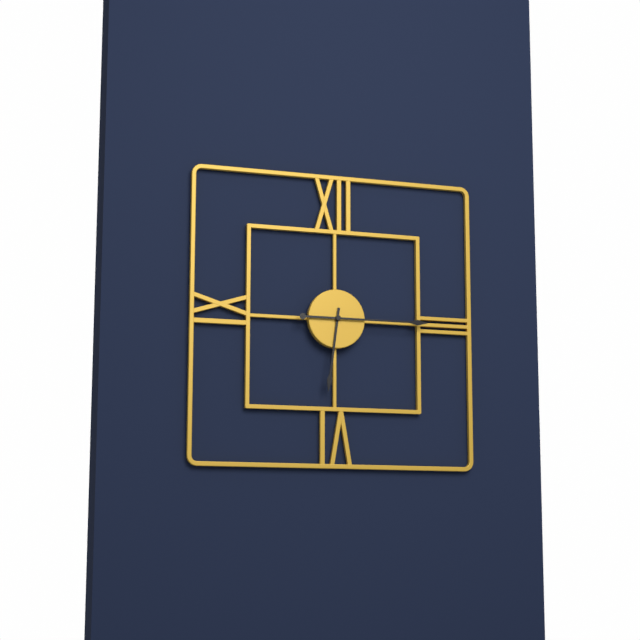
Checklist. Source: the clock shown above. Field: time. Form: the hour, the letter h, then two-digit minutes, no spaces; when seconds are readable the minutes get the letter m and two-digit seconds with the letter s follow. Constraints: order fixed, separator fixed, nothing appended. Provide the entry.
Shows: 6h15
